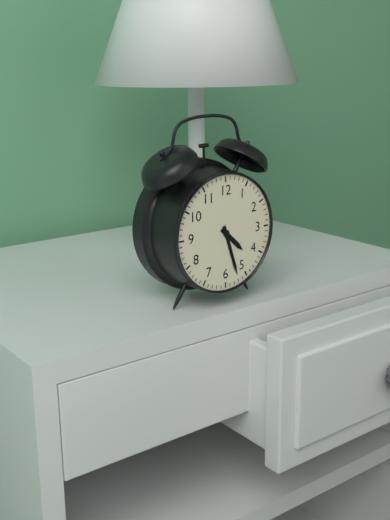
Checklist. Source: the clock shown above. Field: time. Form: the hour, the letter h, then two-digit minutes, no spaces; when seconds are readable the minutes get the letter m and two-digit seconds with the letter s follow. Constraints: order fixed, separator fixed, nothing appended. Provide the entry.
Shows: 4h27
